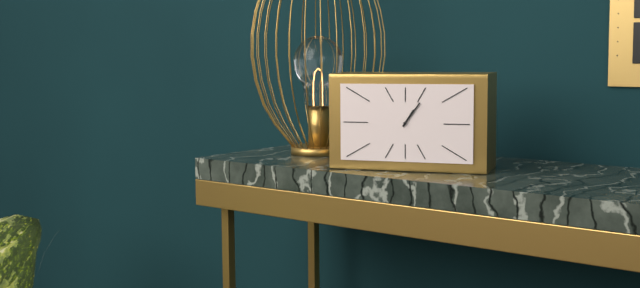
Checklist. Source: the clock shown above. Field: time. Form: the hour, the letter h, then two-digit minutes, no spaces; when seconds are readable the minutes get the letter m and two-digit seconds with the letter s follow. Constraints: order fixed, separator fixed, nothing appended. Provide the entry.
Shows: 1h06
